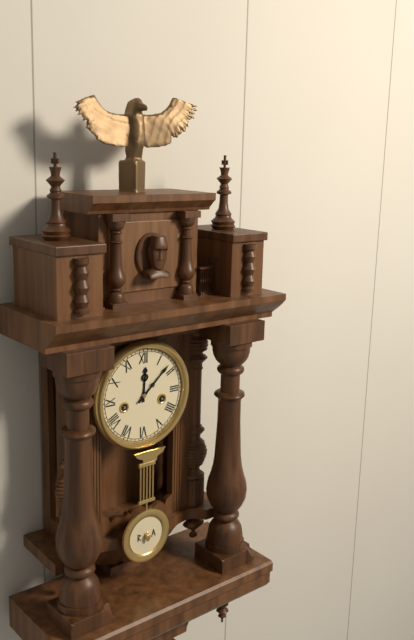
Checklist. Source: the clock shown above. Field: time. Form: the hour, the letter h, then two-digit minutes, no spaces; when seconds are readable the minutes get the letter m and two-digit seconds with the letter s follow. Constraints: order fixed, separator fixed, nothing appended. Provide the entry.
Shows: 12h08
